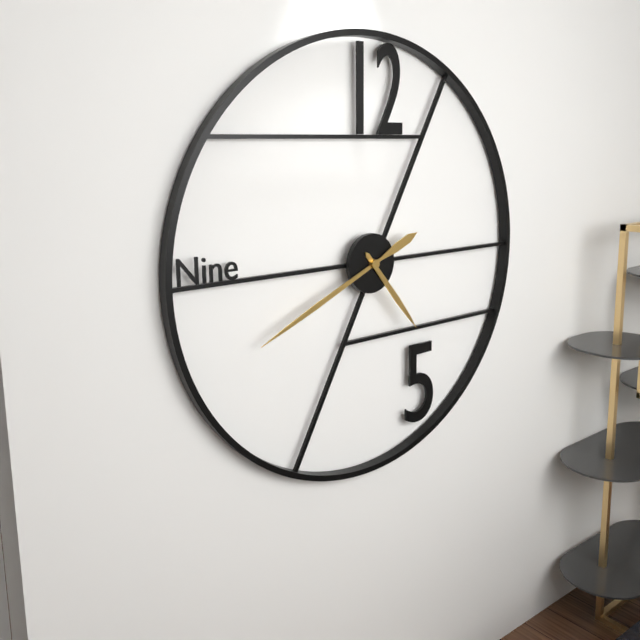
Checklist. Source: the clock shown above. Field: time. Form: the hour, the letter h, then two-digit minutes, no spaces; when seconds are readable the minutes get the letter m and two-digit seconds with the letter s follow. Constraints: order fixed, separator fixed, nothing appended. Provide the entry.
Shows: 4h41
